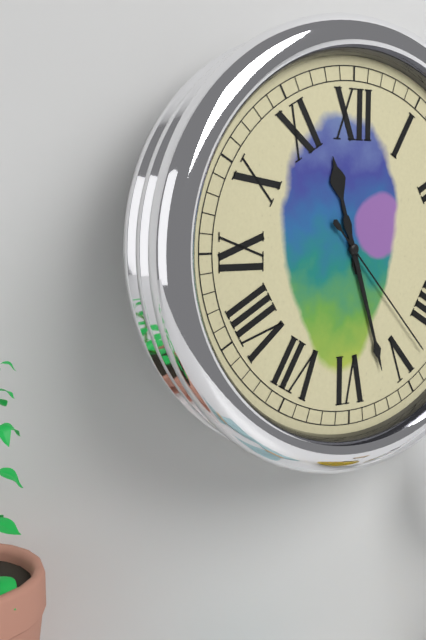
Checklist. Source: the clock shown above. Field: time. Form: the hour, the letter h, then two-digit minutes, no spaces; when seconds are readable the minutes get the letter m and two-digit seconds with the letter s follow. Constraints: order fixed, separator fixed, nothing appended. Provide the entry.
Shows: 11h27m23s
